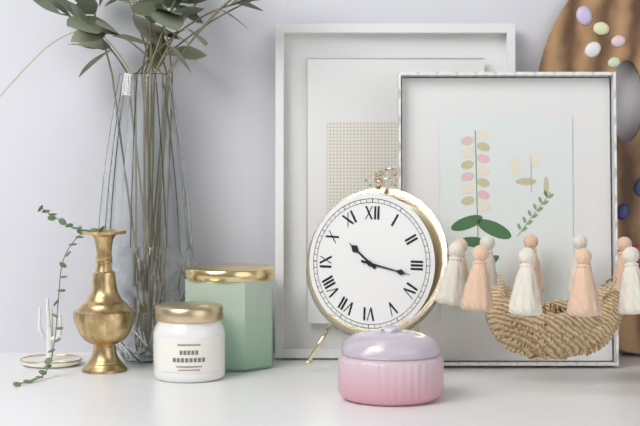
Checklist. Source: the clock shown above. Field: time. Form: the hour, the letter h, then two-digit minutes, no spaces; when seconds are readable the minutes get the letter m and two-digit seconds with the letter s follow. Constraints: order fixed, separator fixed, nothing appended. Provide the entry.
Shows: 10h17
